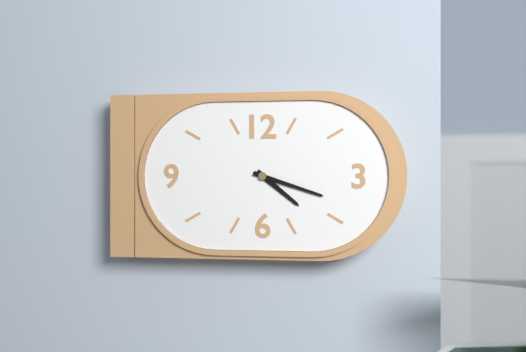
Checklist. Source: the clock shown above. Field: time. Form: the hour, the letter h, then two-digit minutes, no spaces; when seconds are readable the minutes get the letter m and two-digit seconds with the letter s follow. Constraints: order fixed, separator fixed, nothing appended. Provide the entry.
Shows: 4h18
